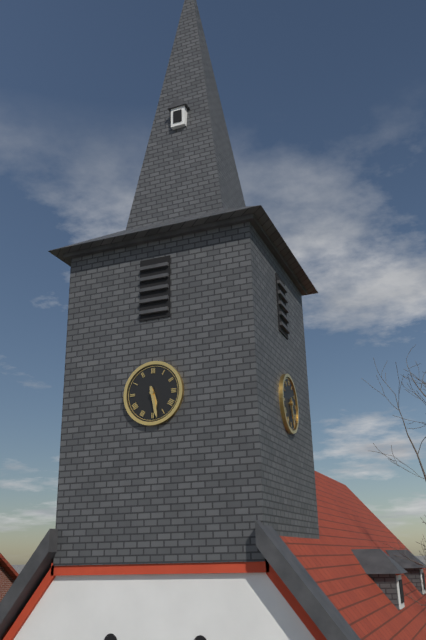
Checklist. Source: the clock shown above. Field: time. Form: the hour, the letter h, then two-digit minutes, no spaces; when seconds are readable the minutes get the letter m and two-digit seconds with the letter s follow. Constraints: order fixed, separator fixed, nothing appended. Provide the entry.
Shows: 5h28
